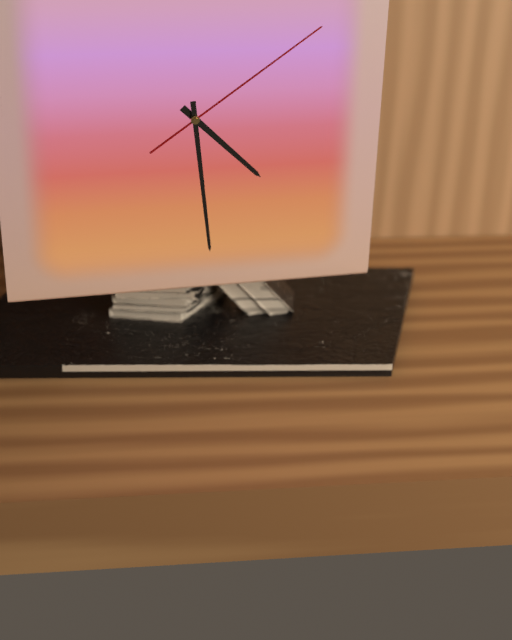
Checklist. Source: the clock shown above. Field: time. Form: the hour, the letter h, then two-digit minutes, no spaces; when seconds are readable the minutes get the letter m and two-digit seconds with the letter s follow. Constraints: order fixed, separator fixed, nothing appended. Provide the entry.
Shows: 4h29m09s
